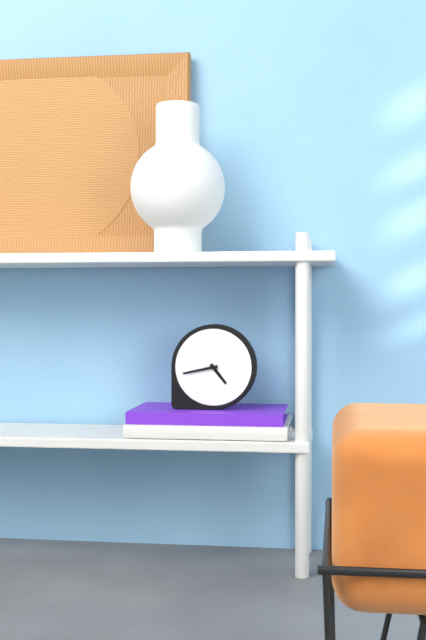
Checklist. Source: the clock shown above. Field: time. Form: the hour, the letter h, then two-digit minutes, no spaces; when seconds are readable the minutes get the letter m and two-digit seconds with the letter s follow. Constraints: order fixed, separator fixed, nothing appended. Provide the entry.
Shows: 4h43
